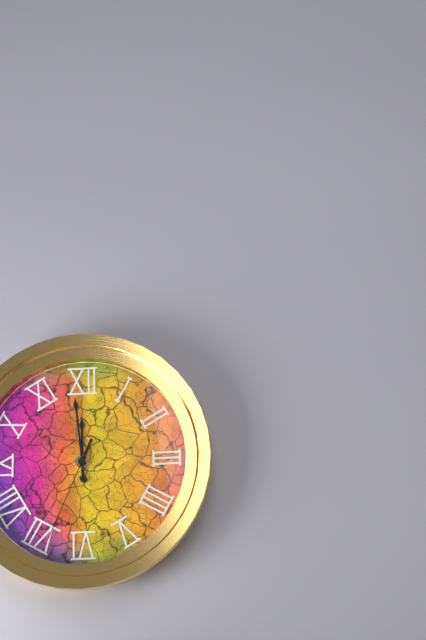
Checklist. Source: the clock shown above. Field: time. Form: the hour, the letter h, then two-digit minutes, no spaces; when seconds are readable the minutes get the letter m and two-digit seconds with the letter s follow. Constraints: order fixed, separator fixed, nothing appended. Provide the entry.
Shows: 11h59m34s
